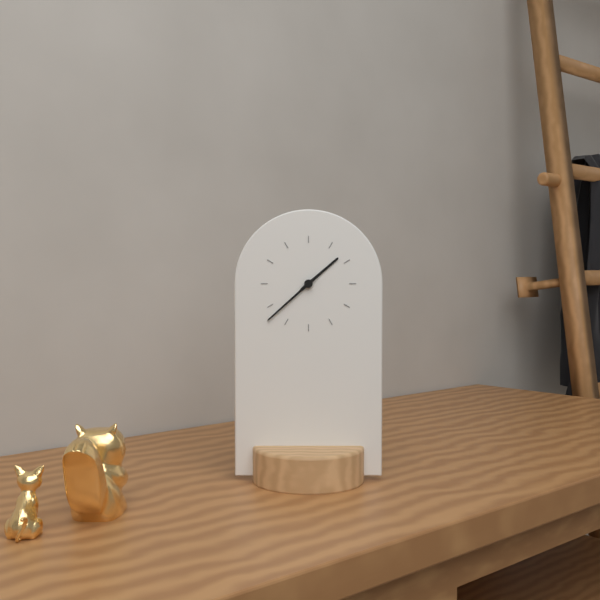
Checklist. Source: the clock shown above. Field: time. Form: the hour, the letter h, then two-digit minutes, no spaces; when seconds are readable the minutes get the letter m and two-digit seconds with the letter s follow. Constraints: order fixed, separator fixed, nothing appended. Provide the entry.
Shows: 1h38
